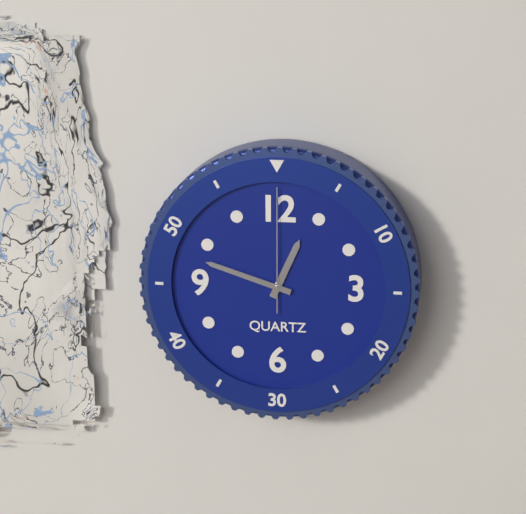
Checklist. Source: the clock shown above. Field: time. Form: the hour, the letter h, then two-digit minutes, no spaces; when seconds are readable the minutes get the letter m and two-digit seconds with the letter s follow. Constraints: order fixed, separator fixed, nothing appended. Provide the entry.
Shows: 12h48m00s
